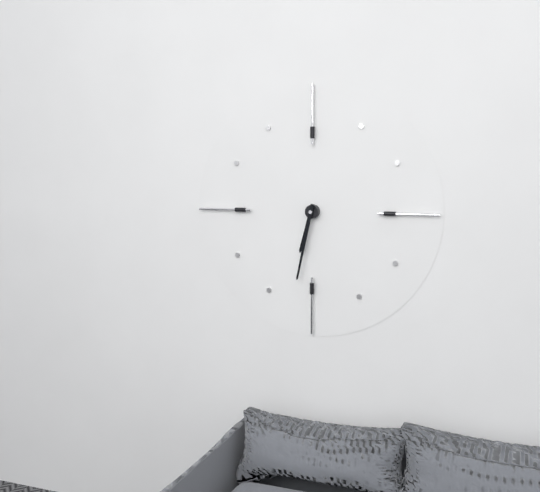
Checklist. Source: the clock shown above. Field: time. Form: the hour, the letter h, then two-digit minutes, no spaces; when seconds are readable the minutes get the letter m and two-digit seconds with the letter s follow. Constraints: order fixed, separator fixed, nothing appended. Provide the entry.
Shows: 6h32
